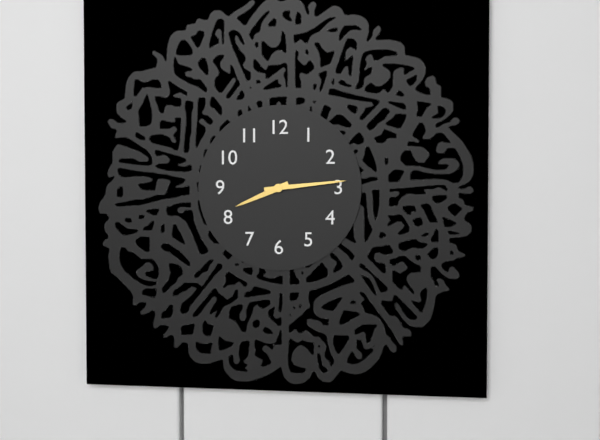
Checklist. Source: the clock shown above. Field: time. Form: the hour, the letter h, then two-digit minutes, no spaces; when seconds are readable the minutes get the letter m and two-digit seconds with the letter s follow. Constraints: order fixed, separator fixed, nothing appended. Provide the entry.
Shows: 8h14
